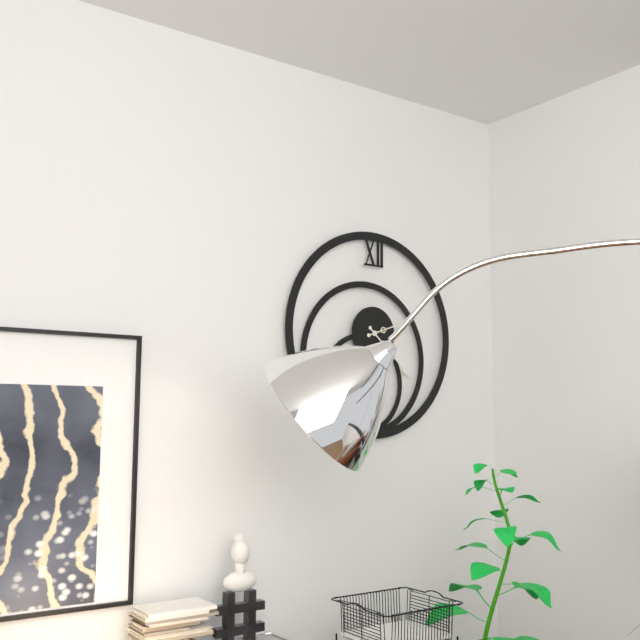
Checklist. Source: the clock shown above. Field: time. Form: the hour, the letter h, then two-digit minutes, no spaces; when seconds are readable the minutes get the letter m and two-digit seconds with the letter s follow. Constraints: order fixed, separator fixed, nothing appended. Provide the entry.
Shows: 2h22
